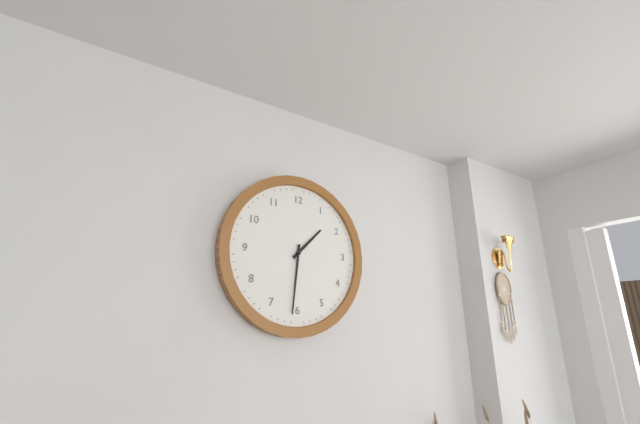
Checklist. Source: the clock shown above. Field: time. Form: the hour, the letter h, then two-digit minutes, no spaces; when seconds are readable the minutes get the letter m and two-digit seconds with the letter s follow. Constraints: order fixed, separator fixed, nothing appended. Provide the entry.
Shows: 1h31
